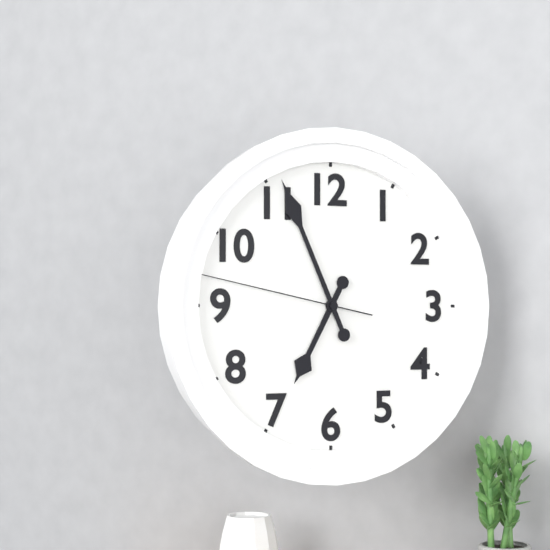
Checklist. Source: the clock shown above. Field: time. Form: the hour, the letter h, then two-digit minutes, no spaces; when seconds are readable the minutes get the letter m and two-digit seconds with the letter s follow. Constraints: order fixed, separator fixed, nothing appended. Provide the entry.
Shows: 6h56m47s
